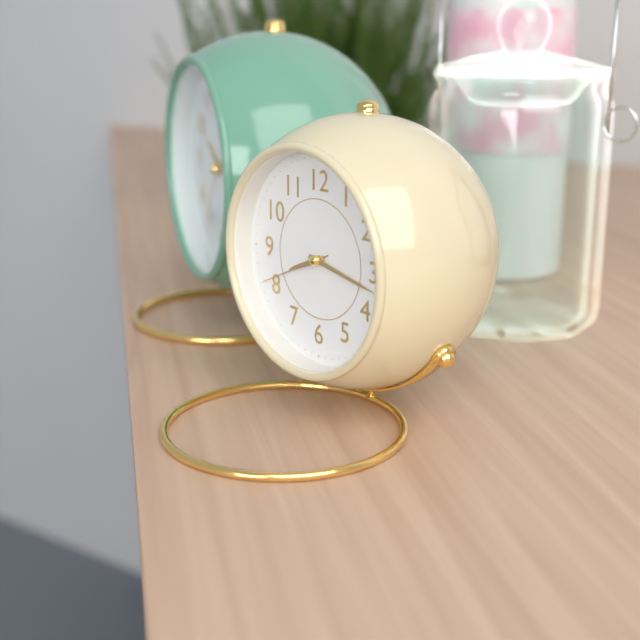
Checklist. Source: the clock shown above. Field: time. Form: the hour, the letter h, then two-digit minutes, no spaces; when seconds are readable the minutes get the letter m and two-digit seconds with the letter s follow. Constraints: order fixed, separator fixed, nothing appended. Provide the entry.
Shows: 8h17m41s
